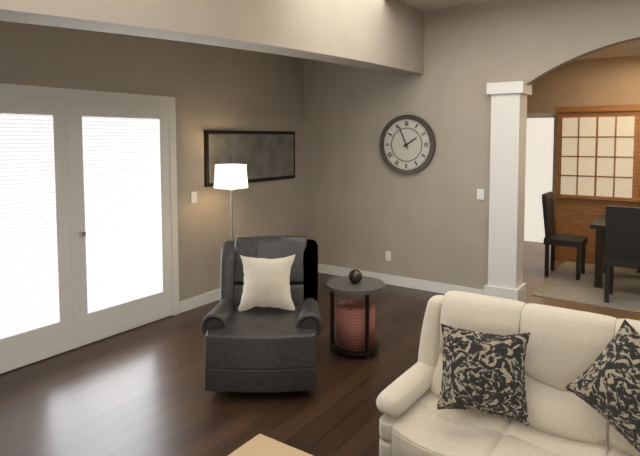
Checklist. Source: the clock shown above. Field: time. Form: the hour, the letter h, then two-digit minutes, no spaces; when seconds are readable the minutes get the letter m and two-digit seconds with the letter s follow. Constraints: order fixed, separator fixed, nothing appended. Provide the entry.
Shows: 1h56
